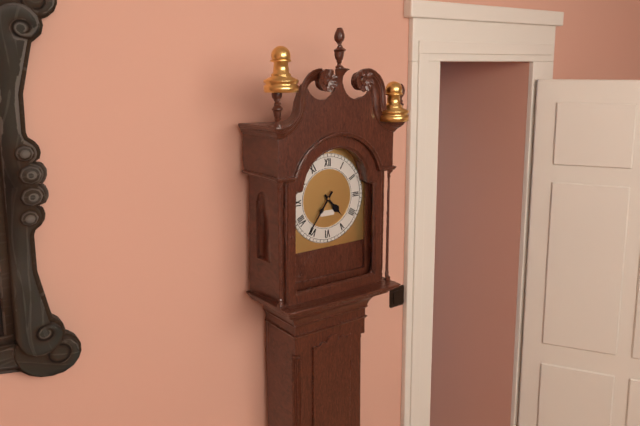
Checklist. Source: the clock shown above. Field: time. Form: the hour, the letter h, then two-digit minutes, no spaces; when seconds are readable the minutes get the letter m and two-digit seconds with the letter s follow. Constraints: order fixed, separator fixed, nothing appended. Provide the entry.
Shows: 4h36
